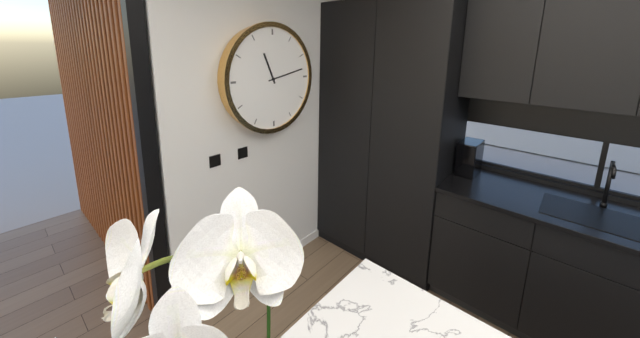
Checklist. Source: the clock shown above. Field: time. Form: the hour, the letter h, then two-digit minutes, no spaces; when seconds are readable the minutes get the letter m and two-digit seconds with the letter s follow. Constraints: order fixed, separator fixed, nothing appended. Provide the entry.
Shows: 11h13
